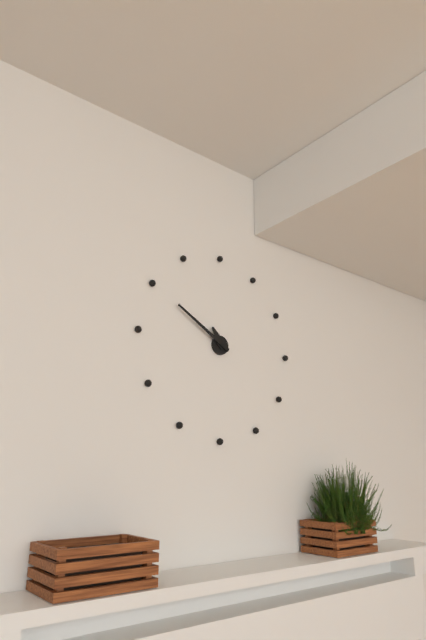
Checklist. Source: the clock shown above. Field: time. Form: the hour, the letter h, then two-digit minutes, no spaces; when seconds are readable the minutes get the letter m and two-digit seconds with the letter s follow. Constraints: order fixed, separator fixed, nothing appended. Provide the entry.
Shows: 10h50
